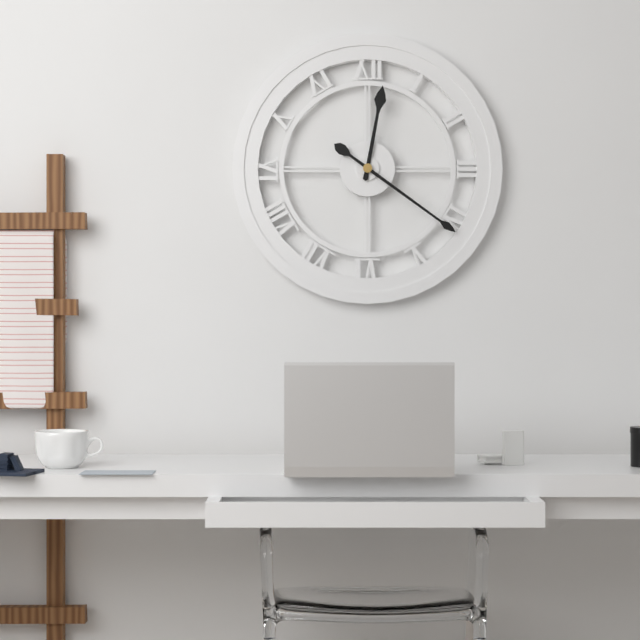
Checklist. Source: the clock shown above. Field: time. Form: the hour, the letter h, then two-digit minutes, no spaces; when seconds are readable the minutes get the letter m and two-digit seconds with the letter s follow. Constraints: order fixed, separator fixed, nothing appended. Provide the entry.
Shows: 12h21
